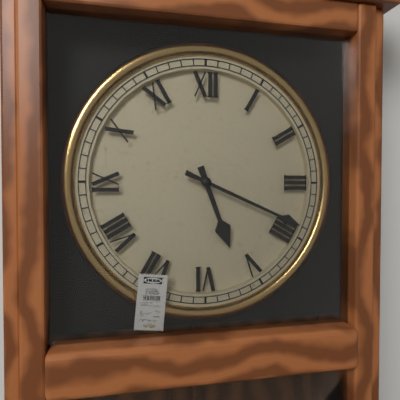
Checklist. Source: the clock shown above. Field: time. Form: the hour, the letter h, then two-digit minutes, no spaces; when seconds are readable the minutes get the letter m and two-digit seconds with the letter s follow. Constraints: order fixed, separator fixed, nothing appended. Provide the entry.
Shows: 5h19
